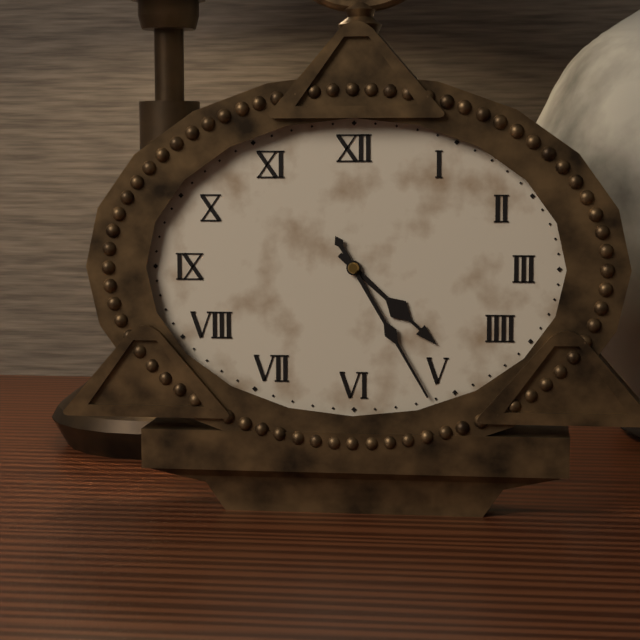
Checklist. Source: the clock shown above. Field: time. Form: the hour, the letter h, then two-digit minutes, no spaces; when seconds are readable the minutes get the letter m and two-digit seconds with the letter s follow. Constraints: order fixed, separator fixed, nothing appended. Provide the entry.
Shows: 4h25
